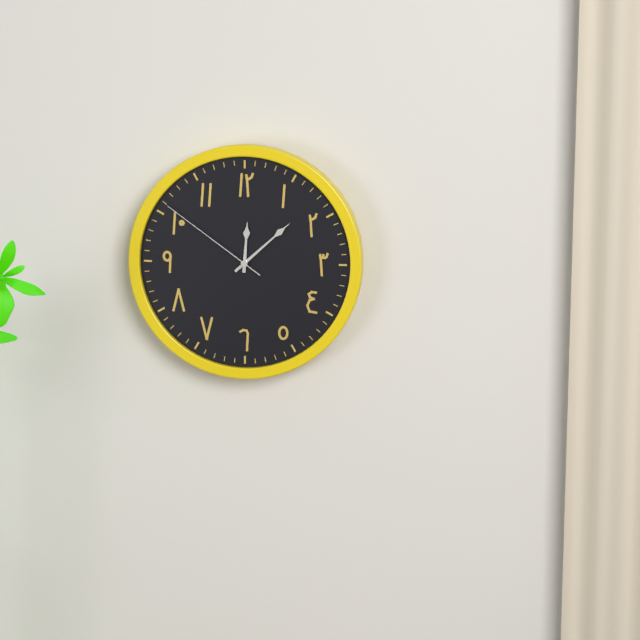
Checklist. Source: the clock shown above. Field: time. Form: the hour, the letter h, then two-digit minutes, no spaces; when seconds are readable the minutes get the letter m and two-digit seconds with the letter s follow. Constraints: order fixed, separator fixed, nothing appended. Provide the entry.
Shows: 12h08m51s
